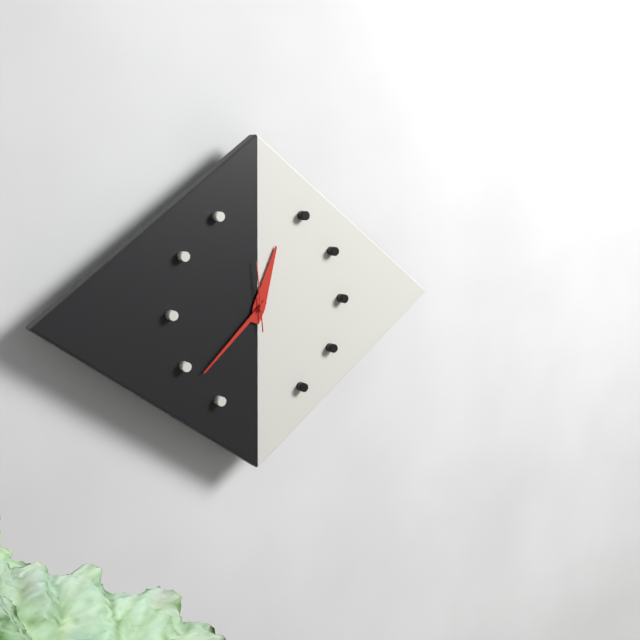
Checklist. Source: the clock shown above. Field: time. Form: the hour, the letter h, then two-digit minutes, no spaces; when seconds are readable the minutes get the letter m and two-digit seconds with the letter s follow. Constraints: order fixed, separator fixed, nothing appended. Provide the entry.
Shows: 12h38m59s
